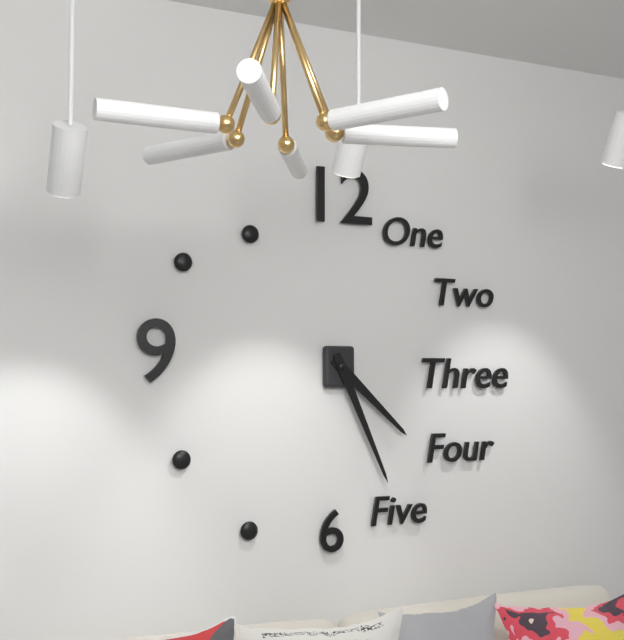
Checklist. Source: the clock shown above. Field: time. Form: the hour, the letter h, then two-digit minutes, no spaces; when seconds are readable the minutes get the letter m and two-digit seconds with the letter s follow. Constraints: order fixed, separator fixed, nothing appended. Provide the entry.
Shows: 4h26
